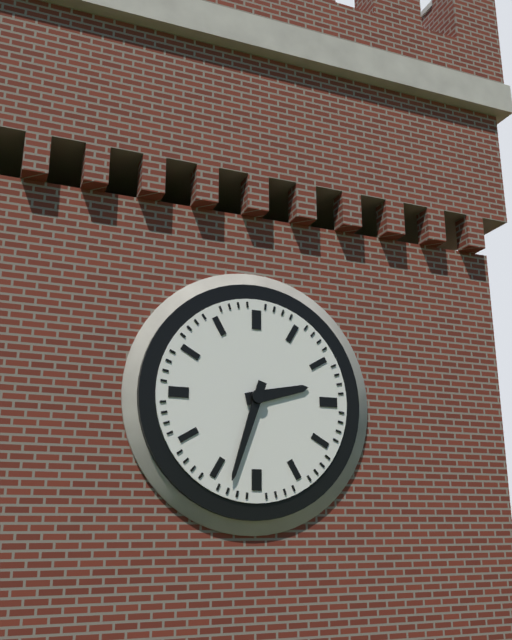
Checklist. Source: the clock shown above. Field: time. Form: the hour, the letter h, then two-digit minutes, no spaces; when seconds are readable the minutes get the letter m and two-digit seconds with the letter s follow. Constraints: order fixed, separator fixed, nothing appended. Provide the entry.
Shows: 2h33
